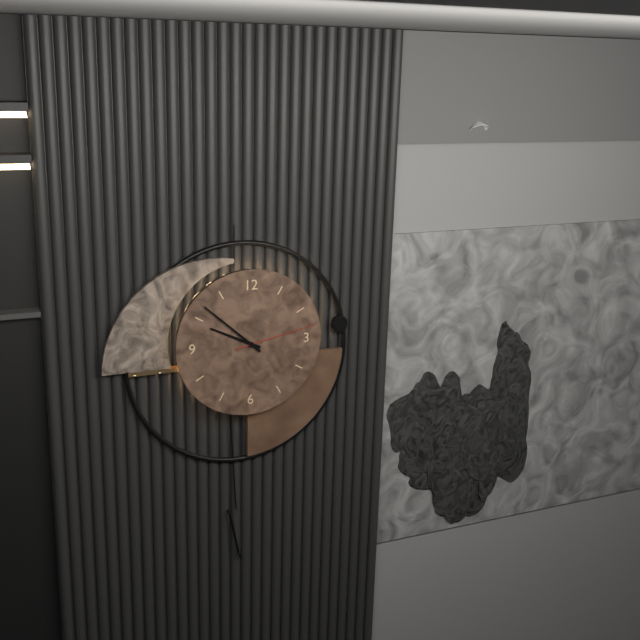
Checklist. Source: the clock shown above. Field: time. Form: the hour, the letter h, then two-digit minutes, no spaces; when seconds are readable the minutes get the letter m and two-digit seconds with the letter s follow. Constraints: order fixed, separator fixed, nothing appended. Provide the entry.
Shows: 9h52m13s
